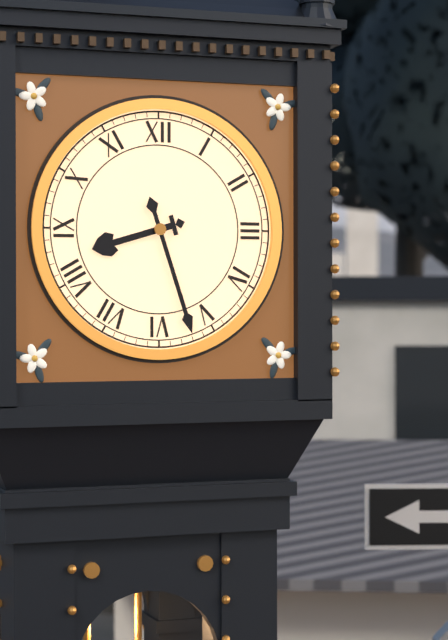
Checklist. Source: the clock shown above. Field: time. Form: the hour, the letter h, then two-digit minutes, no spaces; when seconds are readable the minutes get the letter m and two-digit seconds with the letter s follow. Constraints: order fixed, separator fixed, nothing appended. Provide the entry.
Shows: 8h27
